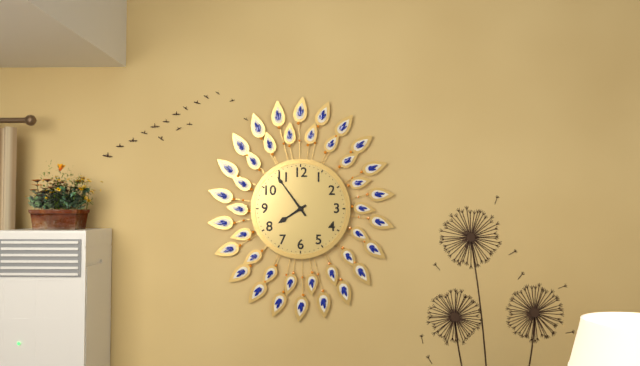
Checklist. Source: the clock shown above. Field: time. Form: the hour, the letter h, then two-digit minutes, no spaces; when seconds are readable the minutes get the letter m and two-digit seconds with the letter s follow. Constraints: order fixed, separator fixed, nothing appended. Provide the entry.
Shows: 7h54
